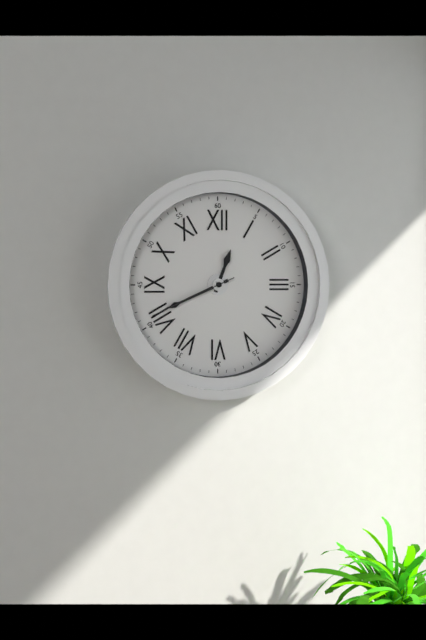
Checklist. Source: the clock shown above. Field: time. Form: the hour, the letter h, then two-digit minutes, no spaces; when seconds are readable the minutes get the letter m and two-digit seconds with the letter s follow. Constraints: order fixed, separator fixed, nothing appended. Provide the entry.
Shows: 12h41m41s
